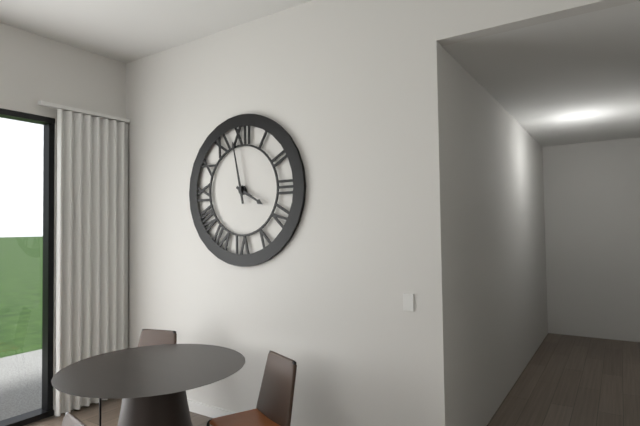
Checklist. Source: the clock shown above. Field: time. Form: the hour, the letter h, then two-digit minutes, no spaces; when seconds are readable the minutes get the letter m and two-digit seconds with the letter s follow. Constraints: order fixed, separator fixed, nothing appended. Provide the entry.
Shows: 3h58
